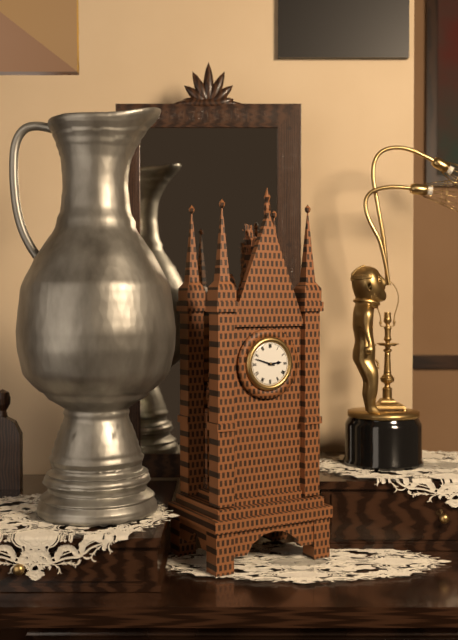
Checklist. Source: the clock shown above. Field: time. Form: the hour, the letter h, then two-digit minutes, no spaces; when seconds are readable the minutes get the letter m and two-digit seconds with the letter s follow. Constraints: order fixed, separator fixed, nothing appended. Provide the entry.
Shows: 2h48
